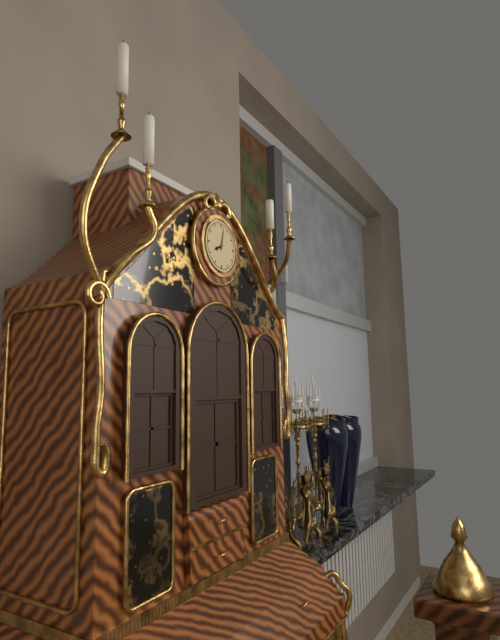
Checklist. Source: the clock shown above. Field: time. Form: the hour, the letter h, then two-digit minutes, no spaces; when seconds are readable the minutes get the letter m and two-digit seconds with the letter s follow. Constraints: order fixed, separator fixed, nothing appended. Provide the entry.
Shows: 8h02
